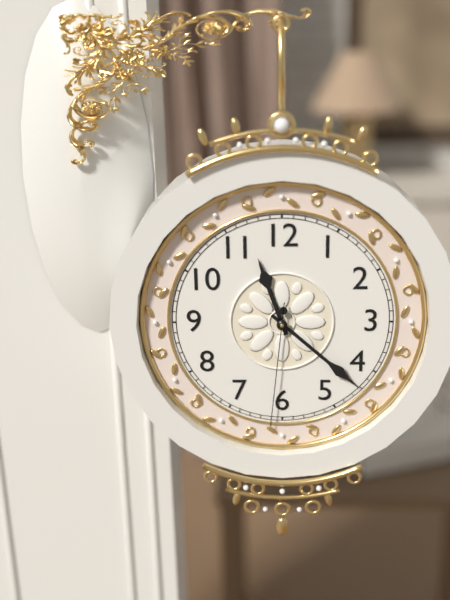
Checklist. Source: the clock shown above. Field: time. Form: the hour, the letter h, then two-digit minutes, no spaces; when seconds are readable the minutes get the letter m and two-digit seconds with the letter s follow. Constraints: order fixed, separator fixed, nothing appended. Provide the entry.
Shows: 11h22m31s
